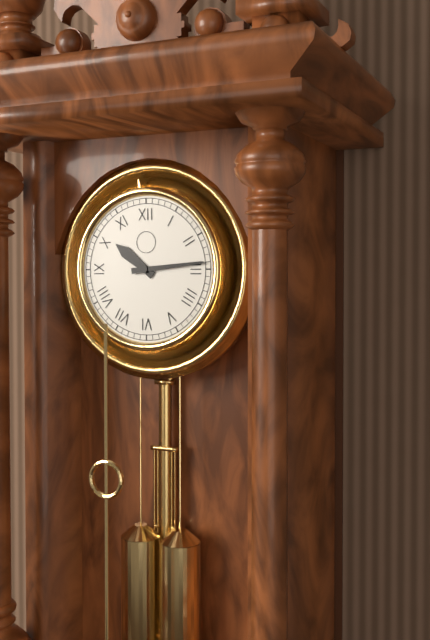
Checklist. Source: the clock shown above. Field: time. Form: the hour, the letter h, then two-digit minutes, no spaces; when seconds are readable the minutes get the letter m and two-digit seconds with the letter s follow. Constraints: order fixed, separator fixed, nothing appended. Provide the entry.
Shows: 10h14
